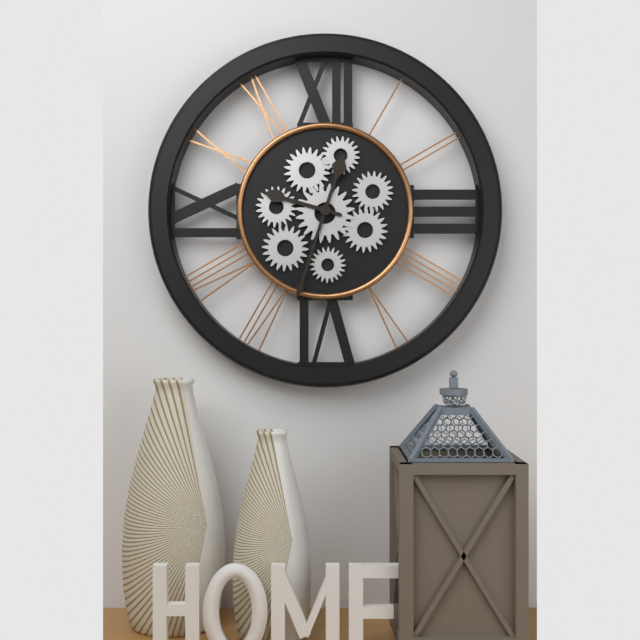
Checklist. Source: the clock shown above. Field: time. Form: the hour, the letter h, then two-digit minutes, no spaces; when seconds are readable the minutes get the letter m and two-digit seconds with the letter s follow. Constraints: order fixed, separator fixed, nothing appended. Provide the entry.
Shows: 9h33
